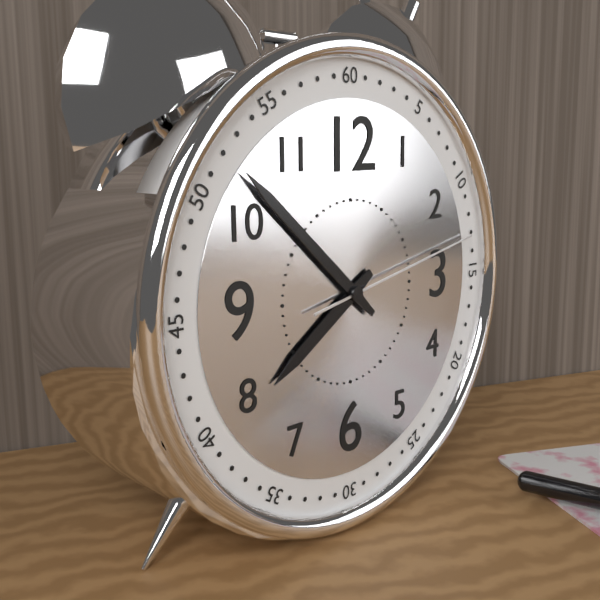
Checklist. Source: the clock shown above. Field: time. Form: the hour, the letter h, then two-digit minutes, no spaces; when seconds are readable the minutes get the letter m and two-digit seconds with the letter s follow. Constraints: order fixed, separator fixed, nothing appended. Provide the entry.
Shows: 7h52m13s
